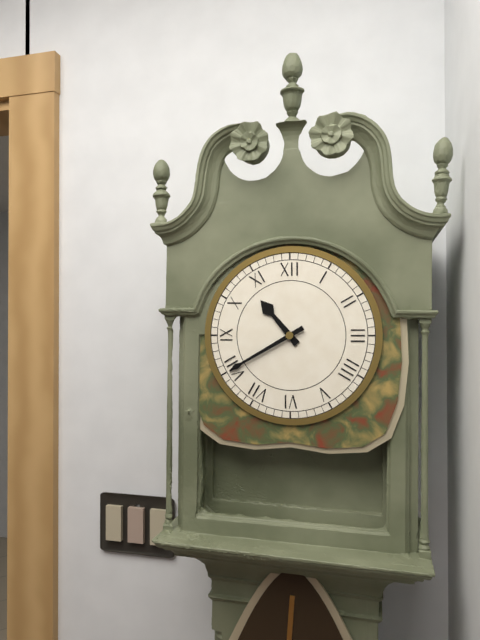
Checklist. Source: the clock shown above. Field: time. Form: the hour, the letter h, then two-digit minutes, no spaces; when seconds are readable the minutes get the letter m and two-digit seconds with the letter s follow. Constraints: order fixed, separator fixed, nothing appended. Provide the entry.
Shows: 10h40
